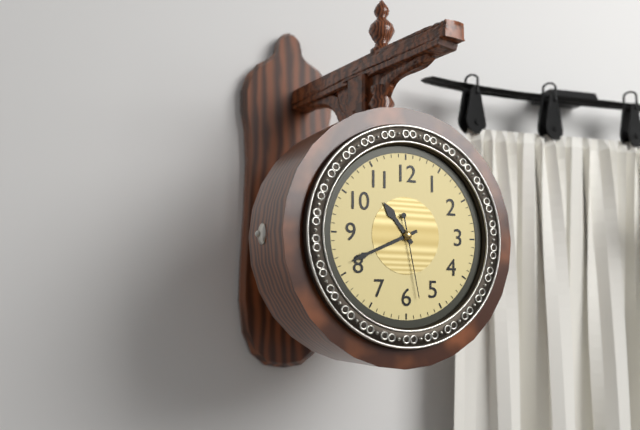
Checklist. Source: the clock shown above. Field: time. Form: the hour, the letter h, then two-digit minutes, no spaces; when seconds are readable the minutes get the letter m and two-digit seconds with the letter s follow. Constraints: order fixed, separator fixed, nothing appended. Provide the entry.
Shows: 10h41m28s
